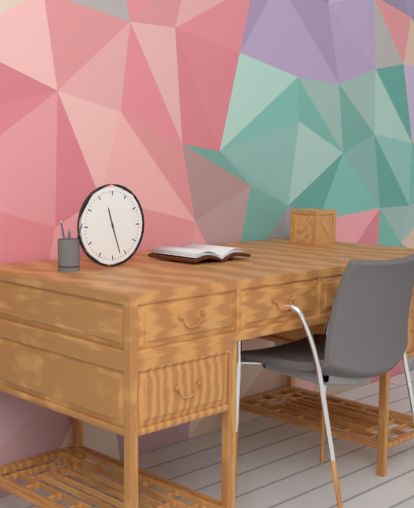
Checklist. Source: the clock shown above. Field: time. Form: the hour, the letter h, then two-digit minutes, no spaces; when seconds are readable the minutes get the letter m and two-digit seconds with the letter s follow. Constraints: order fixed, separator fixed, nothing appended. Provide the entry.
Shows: 11h27
